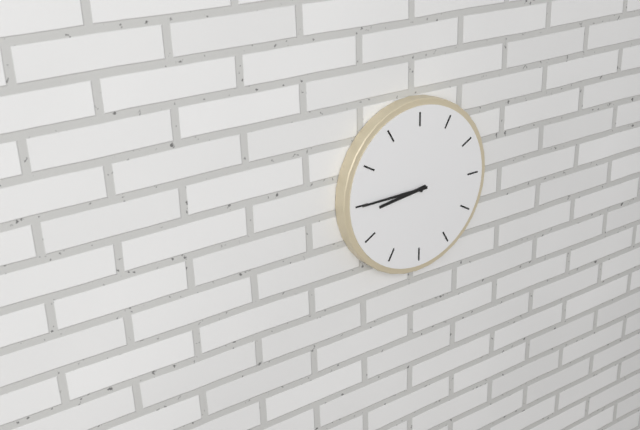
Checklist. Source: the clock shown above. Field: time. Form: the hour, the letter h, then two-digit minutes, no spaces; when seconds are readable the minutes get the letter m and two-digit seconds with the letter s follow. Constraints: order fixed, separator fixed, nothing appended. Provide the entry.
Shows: 8h45
